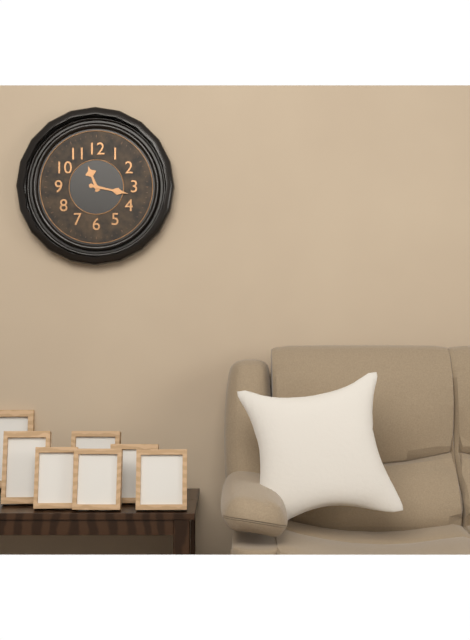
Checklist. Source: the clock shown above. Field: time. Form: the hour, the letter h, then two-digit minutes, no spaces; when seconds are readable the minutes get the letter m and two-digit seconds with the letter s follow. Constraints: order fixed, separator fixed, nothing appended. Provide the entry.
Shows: 11h17
